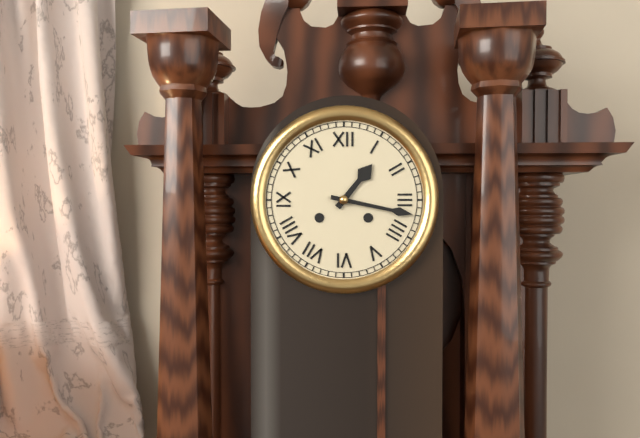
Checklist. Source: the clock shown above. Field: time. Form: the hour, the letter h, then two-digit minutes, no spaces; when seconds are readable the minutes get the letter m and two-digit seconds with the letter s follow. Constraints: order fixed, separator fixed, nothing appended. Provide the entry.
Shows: 1h17
